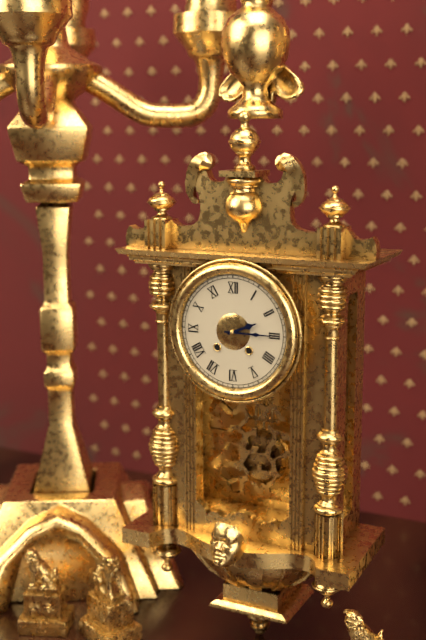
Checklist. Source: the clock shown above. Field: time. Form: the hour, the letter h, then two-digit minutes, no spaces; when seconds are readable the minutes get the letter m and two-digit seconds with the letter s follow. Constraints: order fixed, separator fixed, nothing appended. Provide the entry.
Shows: 2h15
